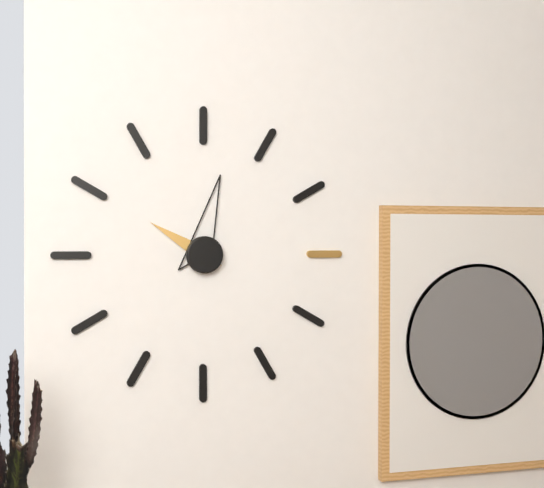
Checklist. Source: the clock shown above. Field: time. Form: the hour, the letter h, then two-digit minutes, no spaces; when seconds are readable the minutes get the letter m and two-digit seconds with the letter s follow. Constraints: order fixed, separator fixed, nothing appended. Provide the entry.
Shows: 10h02
